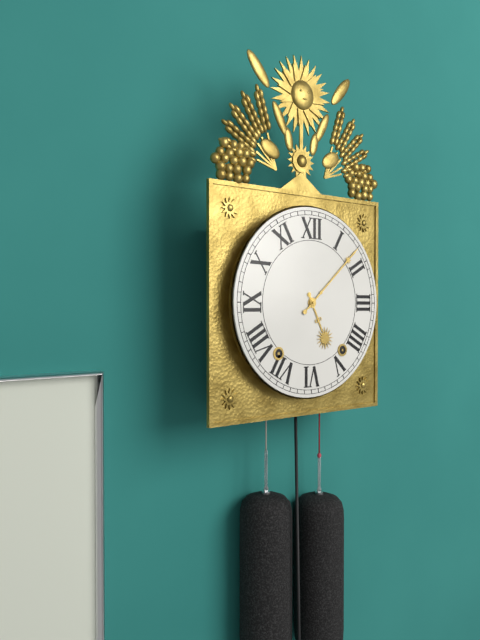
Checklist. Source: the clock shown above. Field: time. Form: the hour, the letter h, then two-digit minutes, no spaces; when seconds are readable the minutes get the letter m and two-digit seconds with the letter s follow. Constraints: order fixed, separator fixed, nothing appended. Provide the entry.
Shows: 5h08
